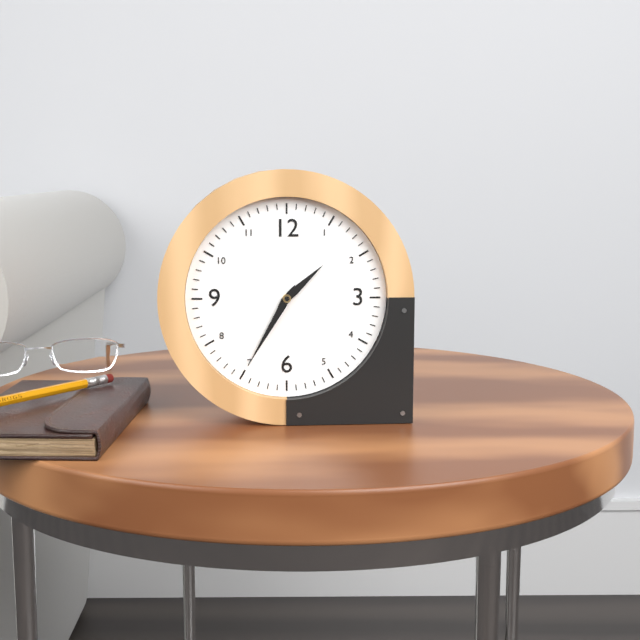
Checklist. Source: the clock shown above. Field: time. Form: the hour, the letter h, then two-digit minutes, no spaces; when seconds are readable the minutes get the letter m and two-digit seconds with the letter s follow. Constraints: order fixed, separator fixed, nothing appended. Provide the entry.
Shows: 1h35
